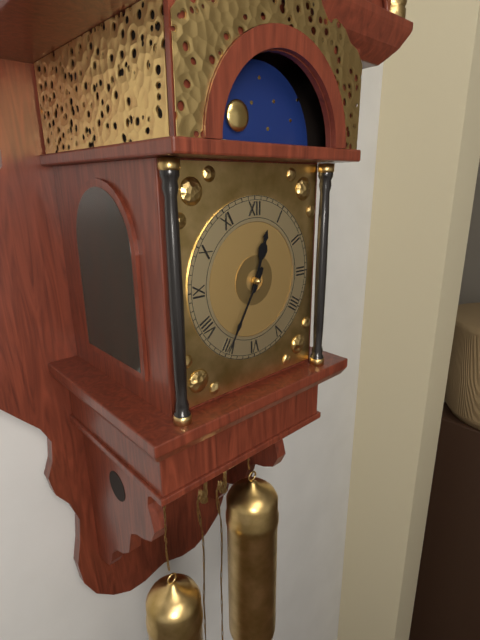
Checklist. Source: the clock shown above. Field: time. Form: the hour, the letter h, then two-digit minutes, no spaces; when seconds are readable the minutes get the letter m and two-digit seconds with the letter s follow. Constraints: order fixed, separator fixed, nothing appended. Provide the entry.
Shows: 12h35
